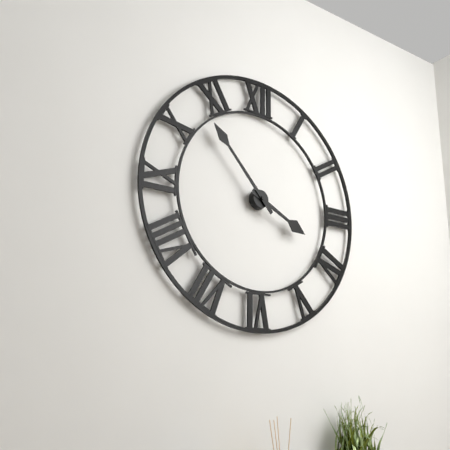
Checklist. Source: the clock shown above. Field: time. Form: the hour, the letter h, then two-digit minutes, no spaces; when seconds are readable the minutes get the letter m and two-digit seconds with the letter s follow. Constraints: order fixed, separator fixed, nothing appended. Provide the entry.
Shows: 3h53
